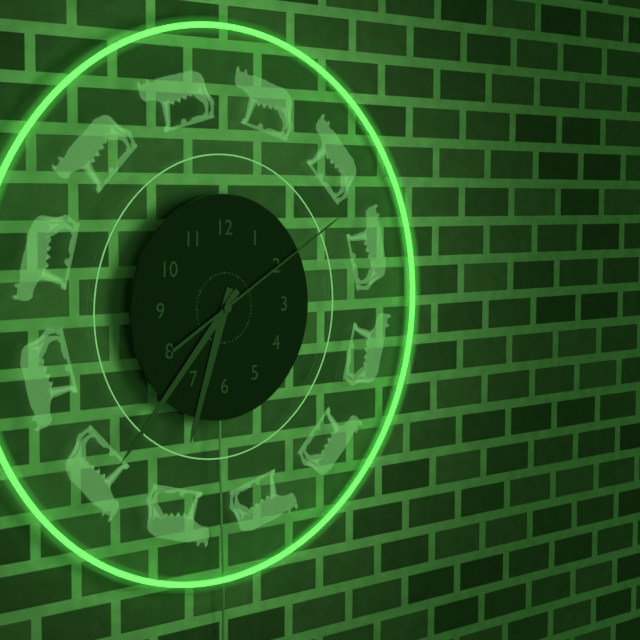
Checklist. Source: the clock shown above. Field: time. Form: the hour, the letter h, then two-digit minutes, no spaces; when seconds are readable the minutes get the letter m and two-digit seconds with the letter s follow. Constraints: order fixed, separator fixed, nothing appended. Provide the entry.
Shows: 6h37m10s
